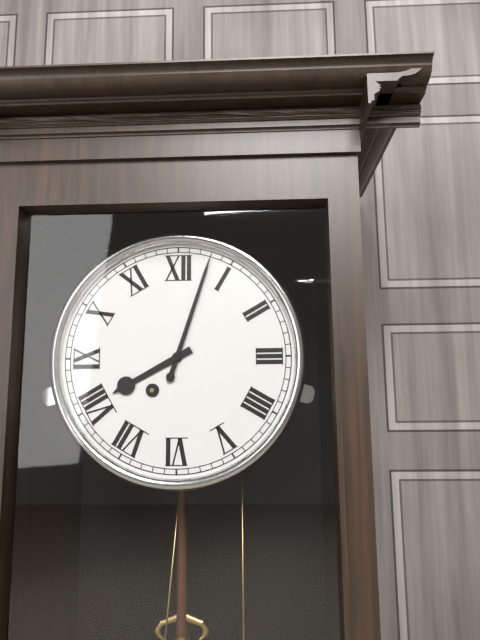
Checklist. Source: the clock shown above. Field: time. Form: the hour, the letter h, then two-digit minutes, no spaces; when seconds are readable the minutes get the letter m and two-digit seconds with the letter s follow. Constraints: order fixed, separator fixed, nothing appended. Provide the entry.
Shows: 8h03
